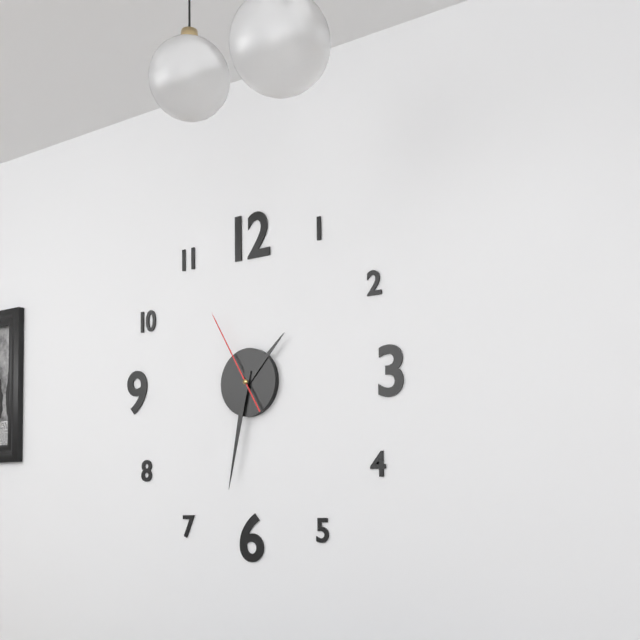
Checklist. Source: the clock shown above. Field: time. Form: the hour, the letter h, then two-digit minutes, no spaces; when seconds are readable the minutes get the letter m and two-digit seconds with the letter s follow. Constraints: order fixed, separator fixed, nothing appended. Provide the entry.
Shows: 1h32m55s
